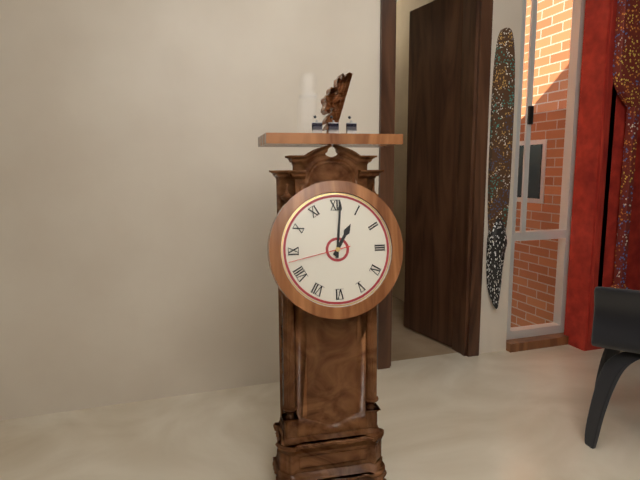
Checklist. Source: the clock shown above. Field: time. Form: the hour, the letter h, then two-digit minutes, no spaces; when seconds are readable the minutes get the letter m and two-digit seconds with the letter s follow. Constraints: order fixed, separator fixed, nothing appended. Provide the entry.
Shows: 1h01m43s
